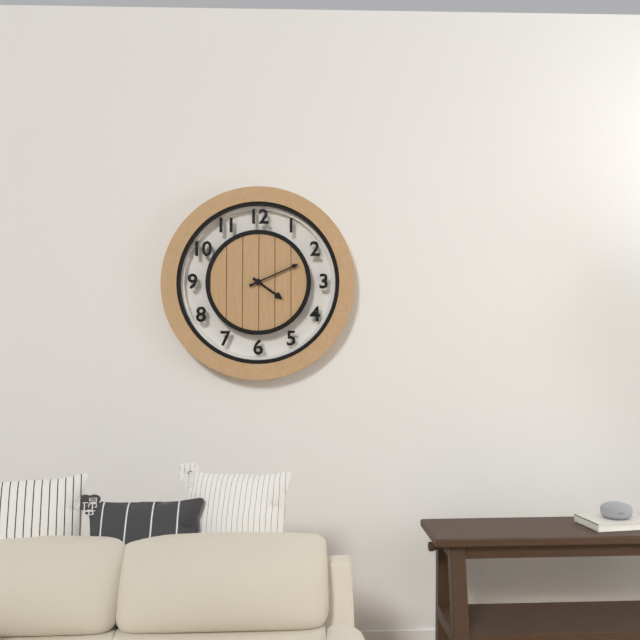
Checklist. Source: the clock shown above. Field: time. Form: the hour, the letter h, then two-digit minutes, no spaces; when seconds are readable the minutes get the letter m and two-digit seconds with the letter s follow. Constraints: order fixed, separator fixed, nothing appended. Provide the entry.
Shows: 4h11
